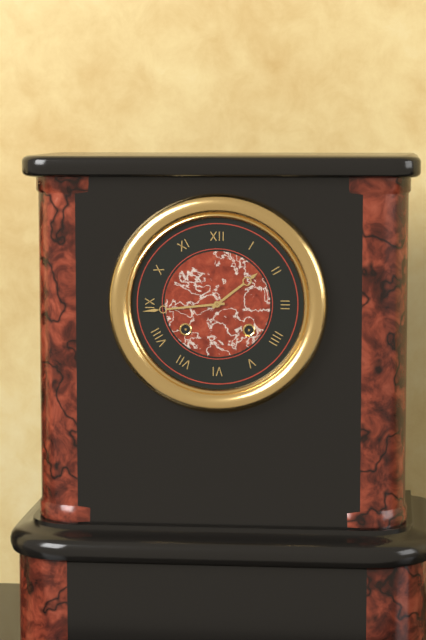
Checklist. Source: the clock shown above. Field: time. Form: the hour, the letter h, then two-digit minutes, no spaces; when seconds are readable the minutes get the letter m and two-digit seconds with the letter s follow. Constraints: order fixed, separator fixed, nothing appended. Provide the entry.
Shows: 1h44
